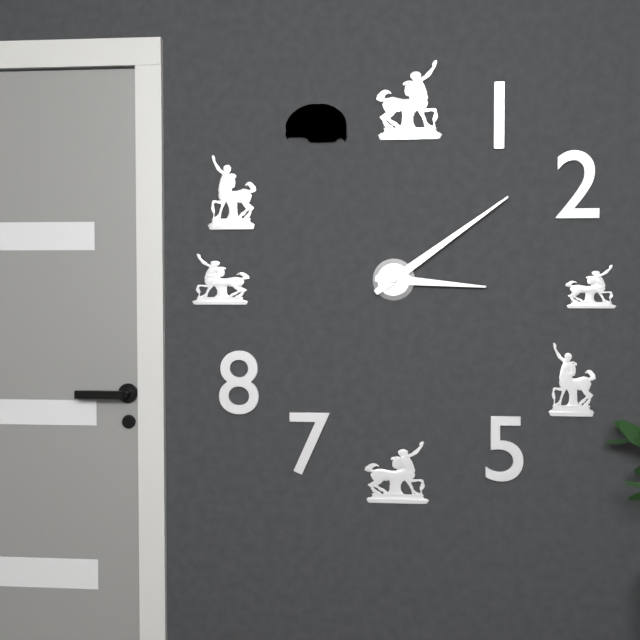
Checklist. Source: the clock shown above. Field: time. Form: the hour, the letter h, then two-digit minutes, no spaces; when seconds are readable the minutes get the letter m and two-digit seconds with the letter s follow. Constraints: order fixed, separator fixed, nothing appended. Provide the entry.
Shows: 3h09
